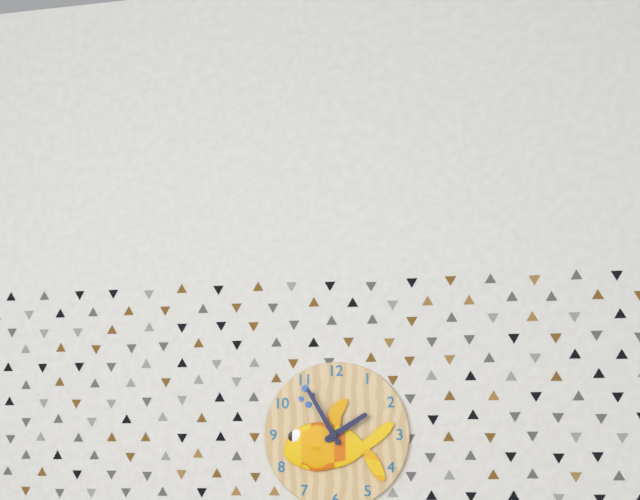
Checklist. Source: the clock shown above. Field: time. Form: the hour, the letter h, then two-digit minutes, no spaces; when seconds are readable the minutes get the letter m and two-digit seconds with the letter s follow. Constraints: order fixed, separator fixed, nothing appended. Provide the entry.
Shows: 1h55
